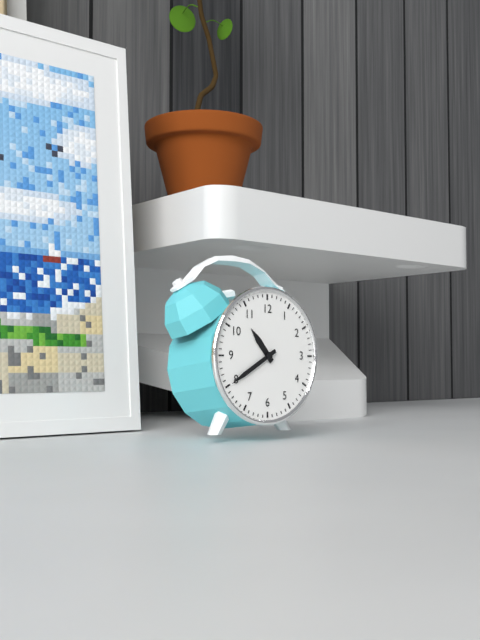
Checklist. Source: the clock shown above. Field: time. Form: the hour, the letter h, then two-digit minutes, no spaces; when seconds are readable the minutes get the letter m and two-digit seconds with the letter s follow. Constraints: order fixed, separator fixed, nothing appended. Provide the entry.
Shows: 10h40
